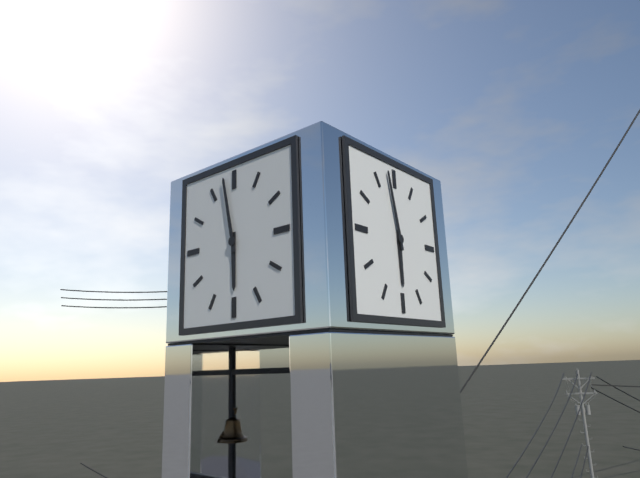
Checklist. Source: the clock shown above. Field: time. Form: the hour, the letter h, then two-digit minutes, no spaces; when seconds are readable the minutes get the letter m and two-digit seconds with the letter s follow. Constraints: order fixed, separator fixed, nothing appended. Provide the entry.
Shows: 5h58
